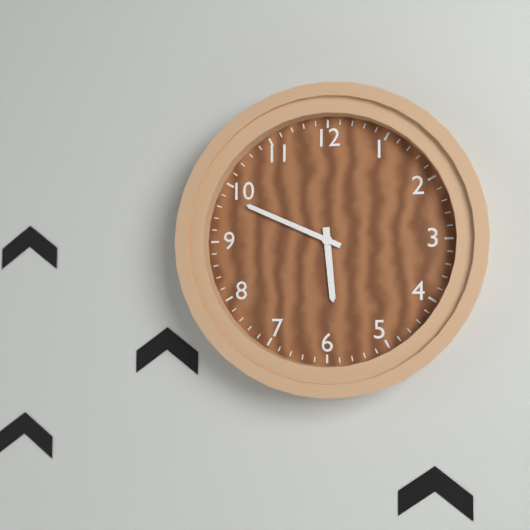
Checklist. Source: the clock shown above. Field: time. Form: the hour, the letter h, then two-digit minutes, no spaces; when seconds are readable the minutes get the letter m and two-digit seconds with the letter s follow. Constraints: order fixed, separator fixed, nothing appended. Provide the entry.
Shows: 5h49
